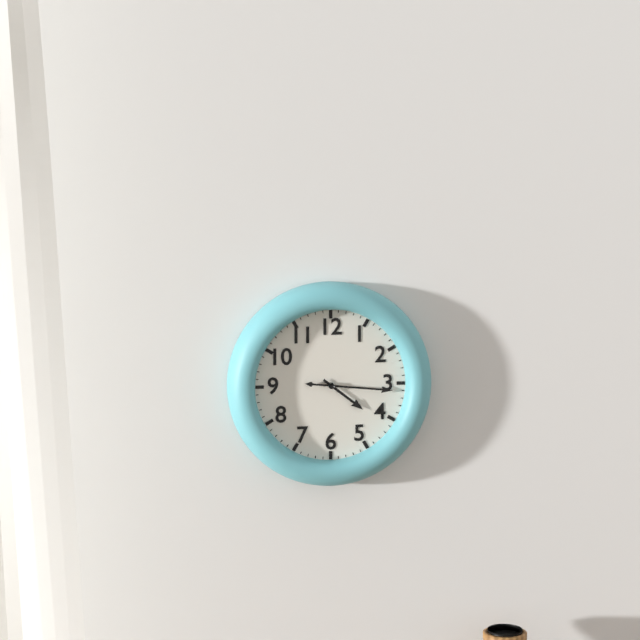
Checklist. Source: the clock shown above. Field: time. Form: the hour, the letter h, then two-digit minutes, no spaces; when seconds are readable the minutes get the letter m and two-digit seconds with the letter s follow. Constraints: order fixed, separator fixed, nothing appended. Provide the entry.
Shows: 4h16
